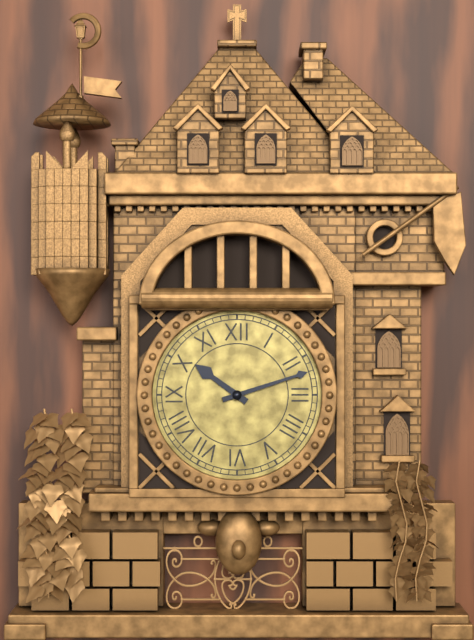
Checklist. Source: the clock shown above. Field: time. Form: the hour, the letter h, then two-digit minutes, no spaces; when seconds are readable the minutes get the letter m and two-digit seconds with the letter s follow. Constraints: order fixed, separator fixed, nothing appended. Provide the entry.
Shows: 10h12
